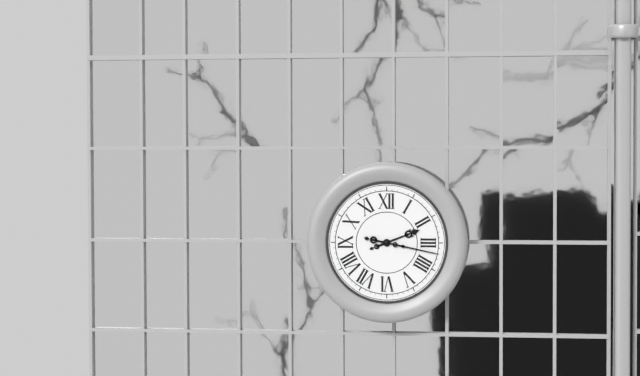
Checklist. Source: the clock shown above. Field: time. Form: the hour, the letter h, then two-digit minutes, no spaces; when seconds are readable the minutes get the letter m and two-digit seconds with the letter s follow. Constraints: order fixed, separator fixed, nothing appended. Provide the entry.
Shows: 2h17
